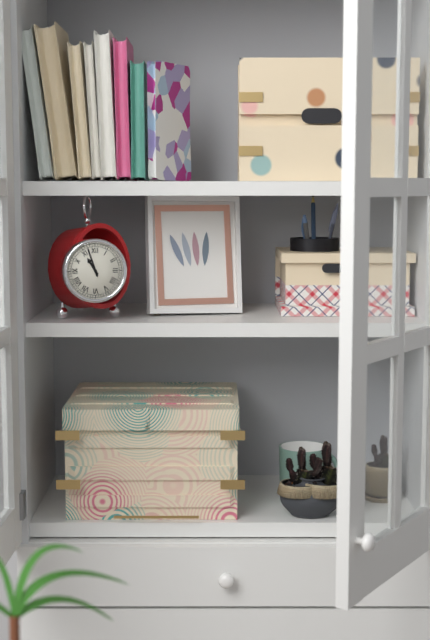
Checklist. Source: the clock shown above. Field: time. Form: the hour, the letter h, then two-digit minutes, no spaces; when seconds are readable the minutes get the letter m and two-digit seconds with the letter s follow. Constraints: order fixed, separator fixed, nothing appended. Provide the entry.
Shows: 10h57
